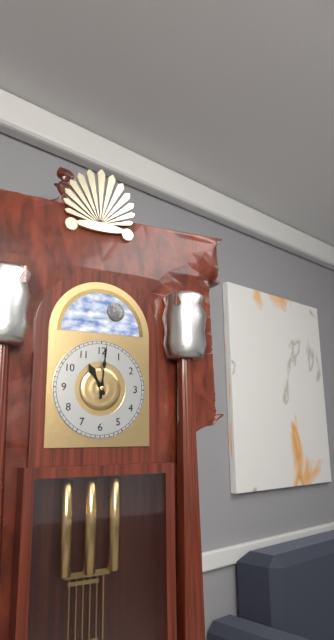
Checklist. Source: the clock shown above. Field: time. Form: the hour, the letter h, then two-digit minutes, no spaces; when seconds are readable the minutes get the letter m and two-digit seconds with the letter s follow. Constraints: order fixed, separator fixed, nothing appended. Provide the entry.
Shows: 11h01
